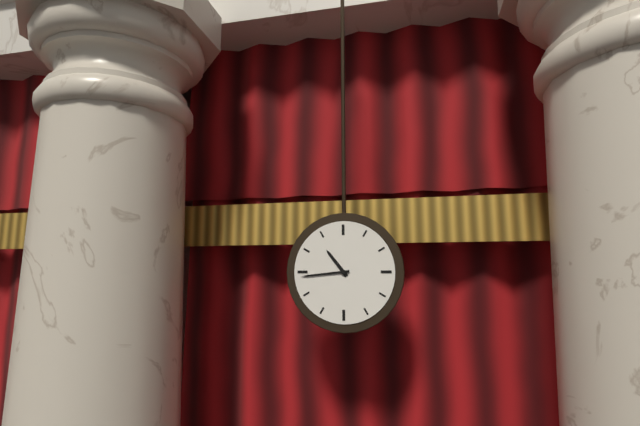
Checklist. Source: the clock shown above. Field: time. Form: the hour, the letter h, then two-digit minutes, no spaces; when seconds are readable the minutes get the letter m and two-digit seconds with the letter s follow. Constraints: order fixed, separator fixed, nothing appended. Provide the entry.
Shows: 10h44
